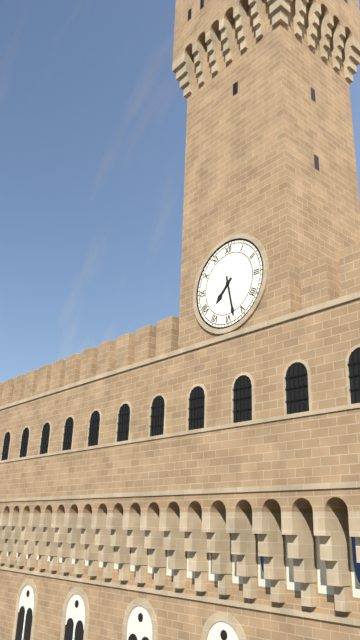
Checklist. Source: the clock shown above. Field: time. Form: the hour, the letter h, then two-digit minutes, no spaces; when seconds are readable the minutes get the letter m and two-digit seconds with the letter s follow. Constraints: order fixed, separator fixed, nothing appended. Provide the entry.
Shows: 7h28
